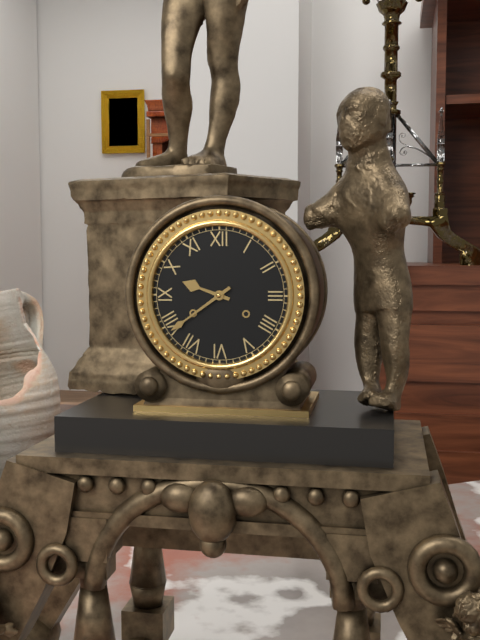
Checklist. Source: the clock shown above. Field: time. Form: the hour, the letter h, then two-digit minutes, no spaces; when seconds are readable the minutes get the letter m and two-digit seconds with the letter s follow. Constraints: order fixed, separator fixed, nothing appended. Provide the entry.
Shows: 9h39
